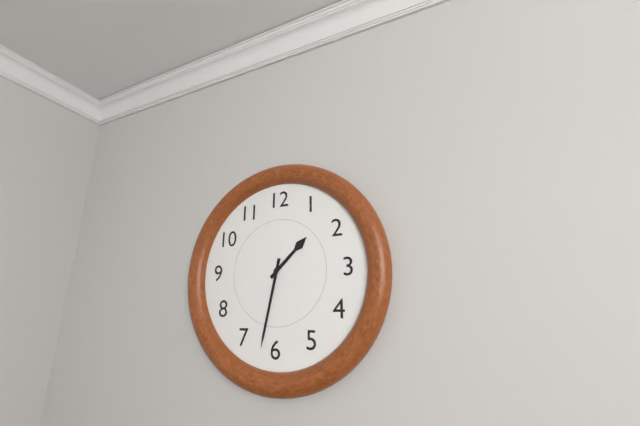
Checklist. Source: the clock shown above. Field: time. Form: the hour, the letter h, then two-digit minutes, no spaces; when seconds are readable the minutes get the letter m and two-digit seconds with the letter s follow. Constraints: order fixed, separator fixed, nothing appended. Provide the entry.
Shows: 1h32
